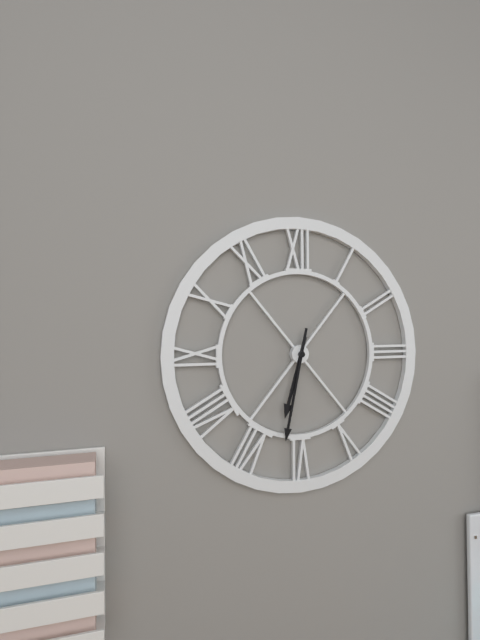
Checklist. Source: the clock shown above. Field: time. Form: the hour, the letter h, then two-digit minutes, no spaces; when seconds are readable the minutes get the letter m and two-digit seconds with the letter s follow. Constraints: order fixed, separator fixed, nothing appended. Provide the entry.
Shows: 6h32
